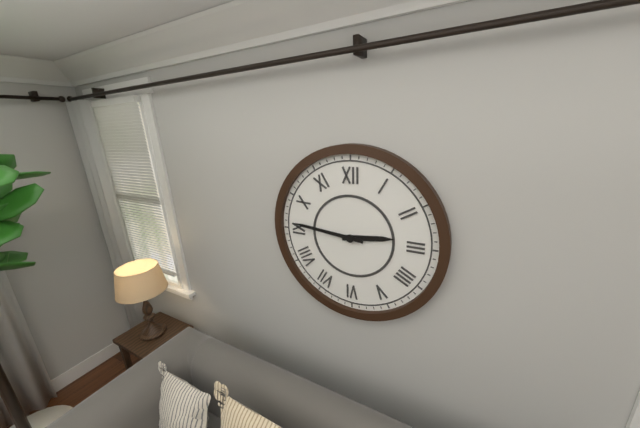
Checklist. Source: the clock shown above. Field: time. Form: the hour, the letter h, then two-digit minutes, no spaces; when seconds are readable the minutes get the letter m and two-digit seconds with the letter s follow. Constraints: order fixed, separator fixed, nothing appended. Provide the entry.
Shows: 2h46
